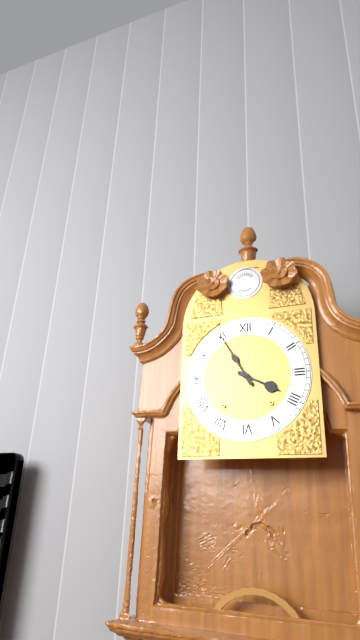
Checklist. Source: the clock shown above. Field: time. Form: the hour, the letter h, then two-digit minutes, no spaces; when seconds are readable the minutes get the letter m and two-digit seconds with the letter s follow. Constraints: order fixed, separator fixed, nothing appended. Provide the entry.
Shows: 3h55
